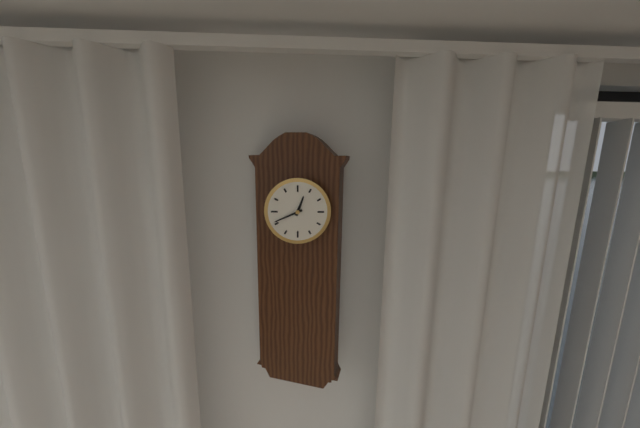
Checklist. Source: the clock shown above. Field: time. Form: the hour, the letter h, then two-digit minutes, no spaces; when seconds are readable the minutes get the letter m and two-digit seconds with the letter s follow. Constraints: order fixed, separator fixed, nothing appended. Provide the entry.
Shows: 12h41
